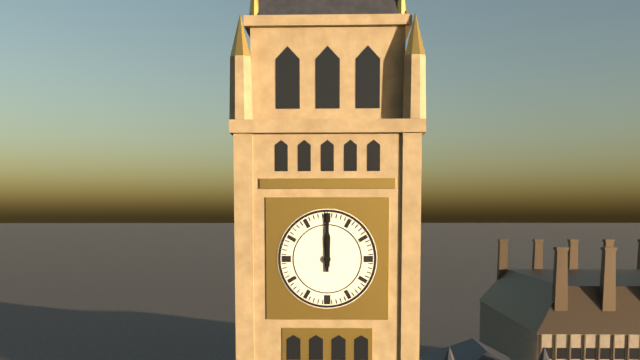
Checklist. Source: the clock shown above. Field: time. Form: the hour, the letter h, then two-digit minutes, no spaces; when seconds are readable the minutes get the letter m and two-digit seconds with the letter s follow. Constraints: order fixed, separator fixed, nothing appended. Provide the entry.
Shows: 12h00
